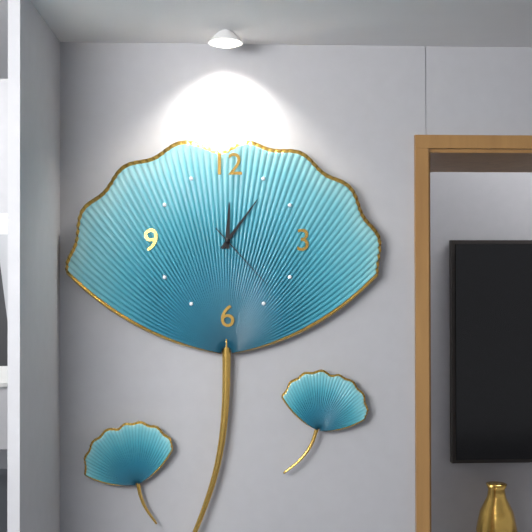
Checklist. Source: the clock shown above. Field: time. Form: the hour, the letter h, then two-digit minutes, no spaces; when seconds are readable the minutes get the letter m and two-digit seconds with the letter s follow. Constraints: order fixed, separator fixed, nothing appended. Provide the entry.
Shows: 12h06m23s
